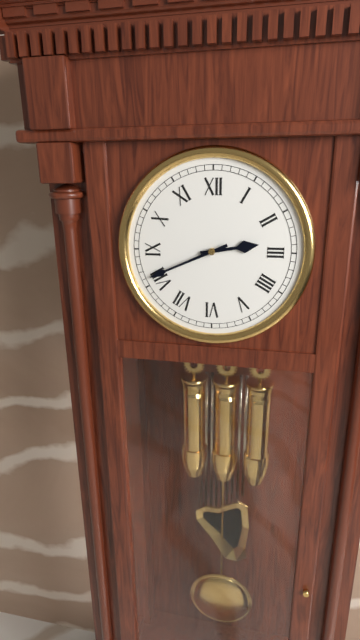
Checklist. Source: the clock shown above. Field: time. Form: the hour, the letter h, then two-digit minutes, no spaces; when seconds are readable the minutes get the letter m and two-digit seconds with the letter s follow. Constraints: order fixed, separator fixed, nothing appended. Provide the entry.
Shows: 2h41
